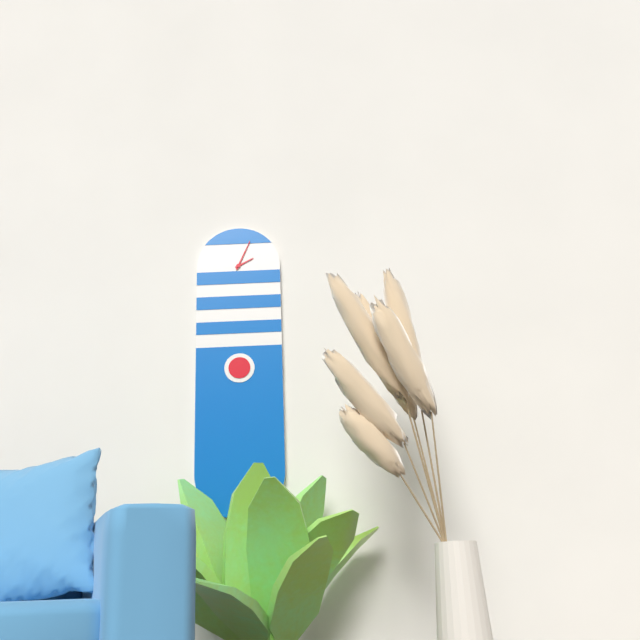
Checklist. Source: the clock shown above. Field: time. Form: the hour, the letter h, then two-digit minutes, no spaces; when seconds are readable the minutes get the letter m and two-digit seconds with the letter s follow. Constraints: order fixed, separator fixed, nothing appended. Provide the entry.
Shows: 2h04
